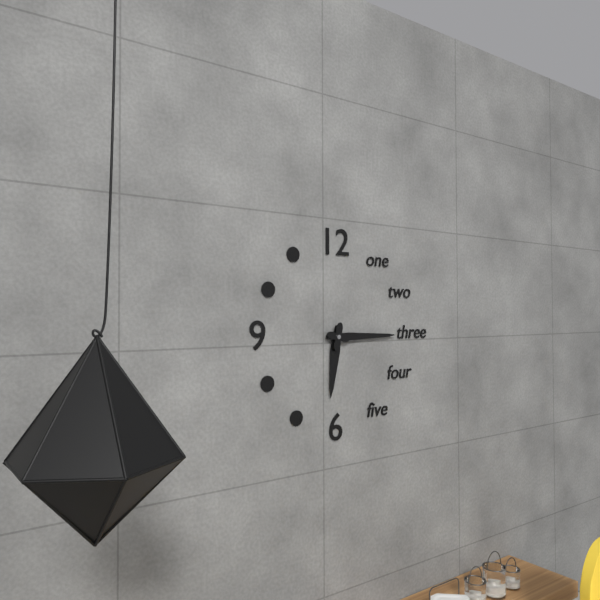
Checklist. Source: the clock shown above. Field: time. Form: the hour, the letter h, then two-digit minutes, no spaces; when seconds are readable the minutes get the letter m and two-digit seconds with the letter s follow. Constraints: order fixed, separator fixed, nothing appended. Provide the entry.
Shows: 6h15
